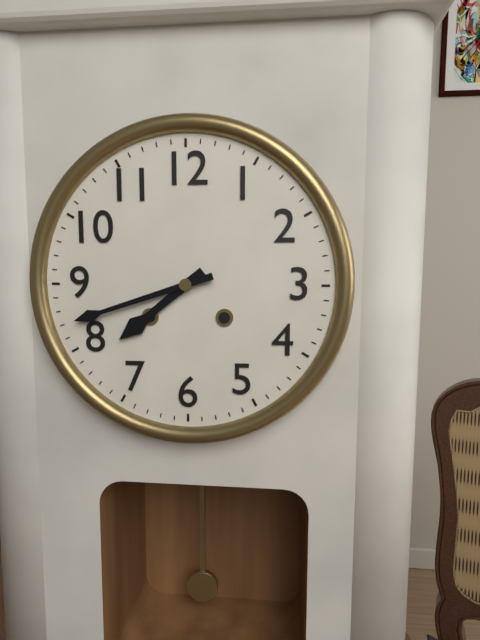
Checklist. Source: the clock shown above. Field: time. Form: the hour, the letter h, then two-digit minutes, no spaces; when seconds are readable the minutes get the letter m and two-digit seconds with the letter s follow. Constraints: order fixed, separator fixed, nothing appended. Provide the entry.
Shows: 7h42
